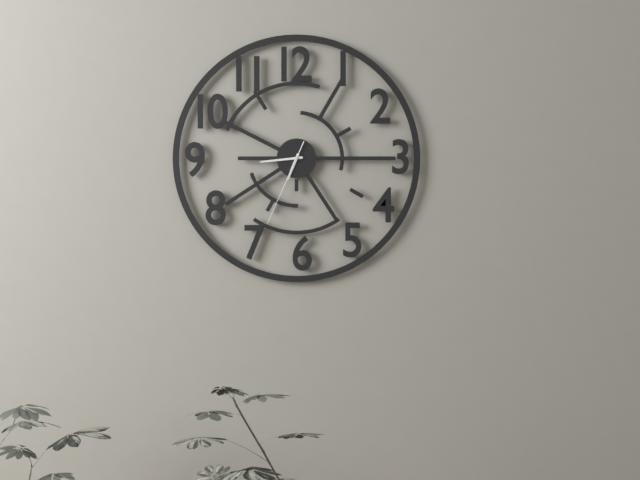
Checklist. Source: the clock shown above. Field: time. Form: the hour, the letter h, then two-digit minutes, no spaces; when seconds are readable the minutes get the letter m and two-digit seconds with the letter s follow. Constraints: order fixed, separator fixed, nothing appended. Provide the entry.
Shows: 6h44m34s
